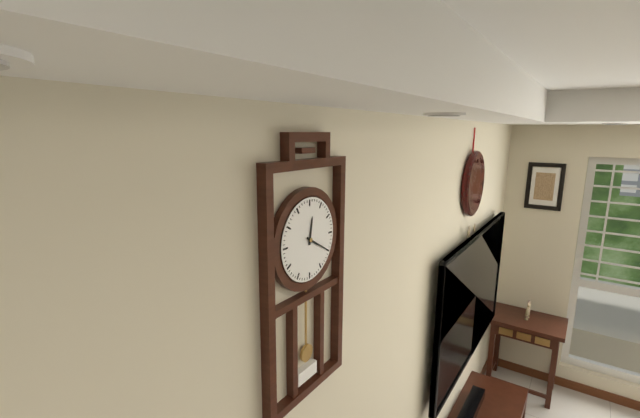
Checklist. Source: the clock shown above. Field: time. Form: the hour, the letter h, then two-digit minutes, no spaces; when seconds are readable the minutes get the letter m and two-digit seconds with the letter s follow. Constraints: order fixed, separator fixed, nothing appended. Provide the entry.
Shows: 12h20
